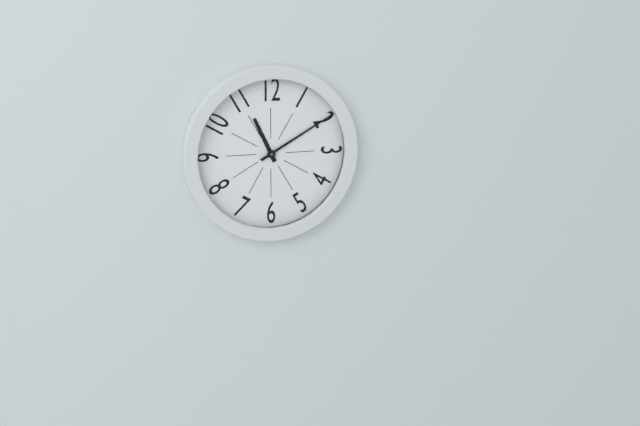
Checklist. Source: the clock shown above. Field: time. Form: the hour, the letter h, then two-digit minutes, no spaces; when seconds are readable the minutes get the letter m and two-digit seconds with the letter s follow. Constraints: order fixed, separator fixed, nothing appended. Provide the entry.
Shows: 11h10
